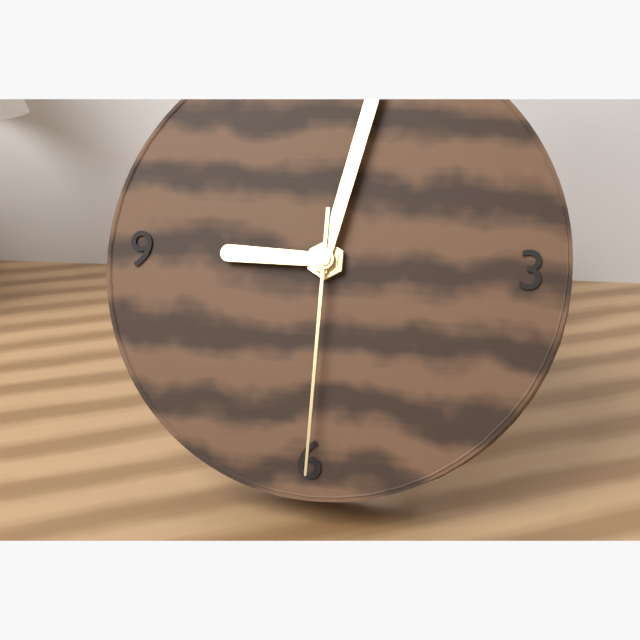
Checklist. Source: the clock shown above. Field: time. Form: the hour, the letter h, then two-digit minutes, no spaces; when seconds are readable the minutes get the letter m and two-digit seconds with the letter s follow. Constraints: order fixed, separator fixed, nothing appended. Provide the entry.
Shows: 9h02m30s
